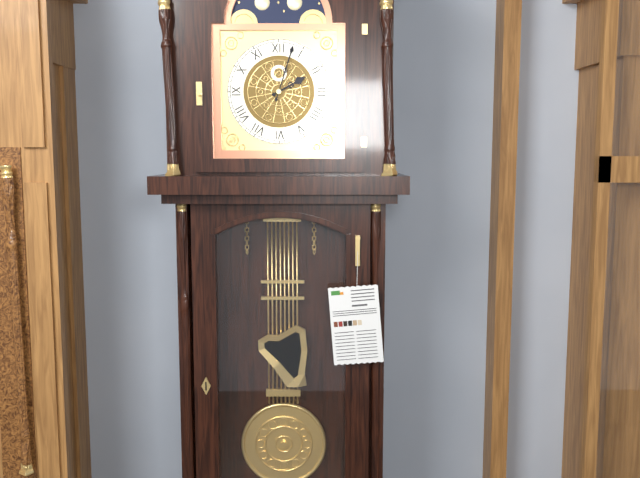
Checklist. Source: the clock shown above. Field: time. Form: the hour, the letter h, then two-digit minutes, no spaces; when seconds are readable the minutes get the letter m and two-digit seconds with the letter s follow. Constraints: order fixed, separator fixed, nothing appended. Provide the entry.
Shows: 2h03
